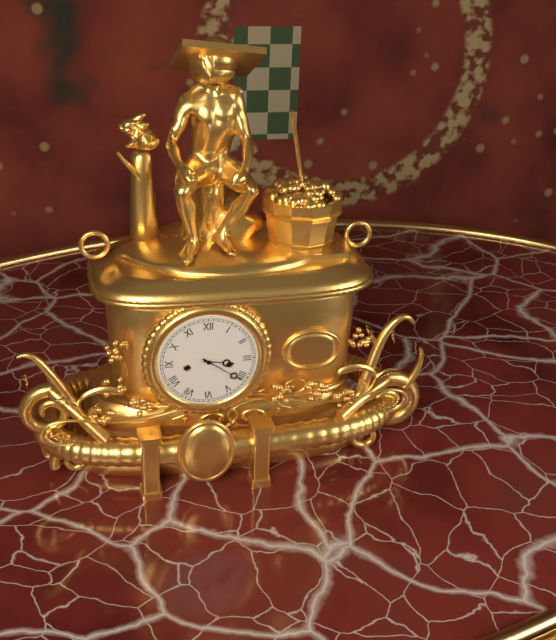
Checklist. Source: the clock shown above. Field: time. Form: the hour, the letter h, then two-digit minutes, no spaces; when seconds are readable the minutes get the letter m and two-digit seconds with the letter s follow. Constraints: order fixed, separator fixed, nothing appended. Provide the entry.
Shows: 3h21
